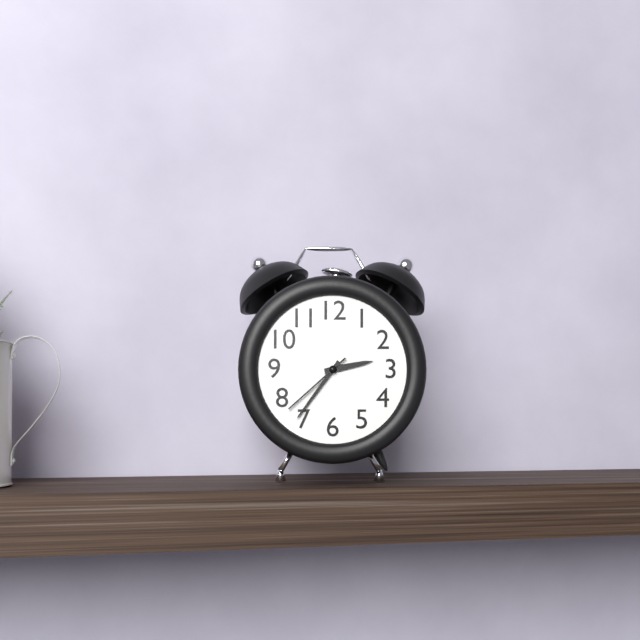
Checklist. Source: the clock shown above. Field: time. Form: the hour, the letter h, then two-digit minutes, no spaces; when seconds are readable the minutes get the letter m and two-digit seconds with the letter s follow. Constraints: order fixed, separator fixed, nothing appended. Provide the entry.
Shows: 2h36m38s
